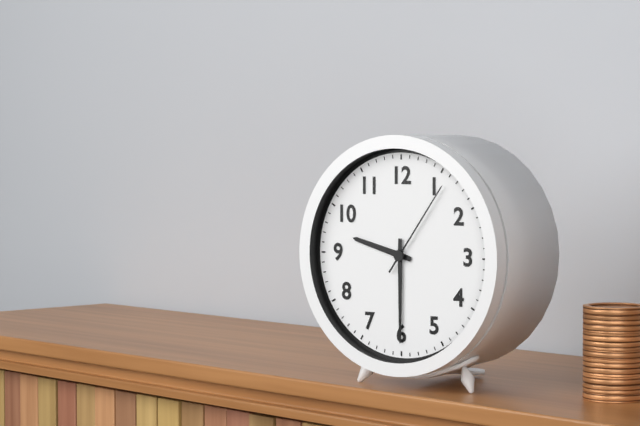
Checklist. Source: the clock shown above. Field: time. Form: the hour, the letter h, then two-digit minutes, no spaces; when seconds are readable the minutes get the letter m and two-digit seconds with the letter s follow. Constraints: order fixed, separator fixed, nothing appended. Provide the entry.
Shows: 9h30m06s
